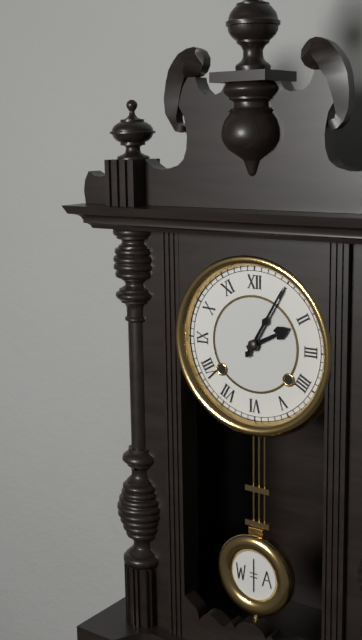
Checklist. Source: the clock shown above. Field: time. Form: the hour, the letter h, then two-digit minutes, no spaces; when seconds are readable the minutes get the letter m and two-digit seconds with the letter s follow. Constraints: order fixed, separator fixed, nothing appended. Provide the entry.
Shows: 2h05
